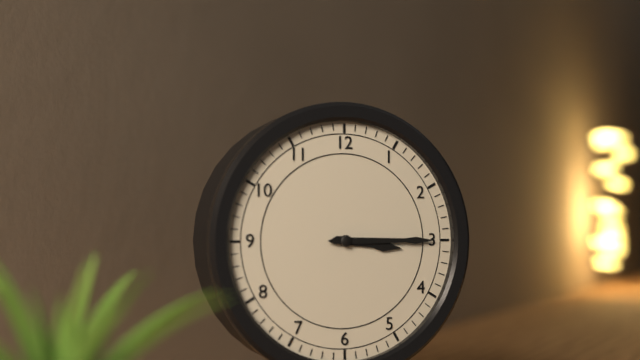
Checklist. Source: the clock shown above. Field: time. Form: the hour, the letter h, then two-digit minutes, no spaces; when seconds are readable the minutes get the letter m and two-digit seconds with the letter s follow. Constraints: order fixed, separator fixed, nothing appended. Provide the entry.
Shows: 3h15
